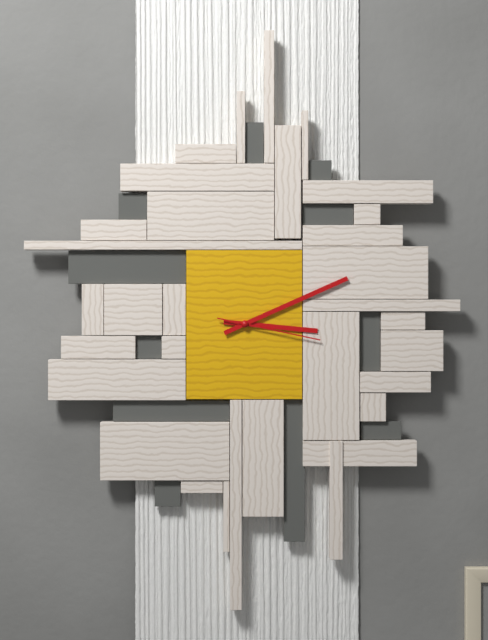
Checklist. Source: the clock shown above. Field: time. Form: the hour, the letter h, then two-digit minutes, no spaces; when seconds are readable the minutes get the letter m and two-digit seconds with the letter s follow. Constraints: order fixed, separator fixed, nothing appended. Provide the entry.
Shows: 3h11m17s
